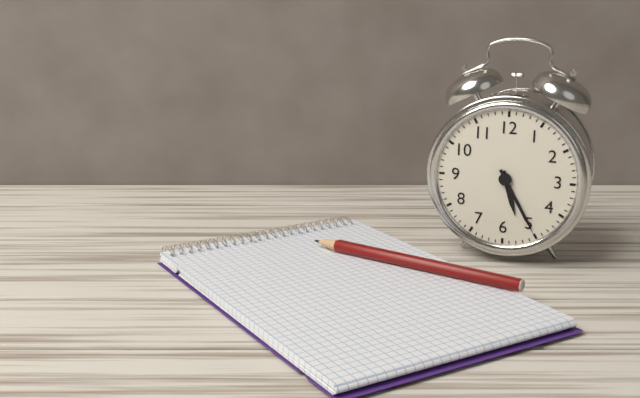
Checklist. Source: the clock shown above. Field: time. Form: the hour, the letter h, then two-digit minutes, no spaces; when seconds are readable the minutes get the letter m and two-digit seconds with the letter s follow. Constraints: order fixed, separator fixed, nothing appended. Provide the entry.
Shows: 5h25
